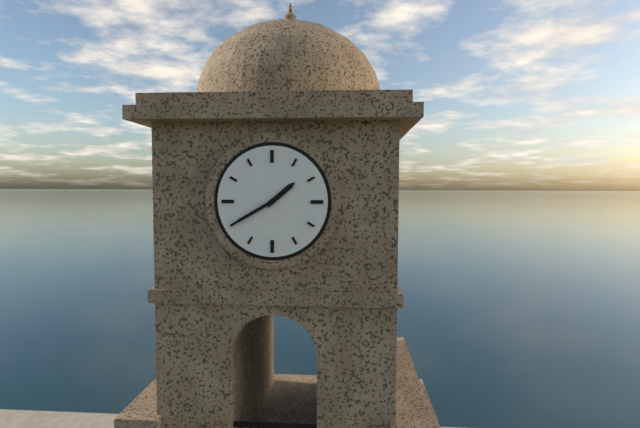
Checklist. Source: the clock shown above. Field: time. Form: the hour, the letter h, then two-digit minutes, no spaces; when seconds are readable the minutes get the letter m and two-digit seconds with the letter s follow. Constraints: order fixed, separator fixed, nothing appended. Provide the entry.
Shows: 1h40
